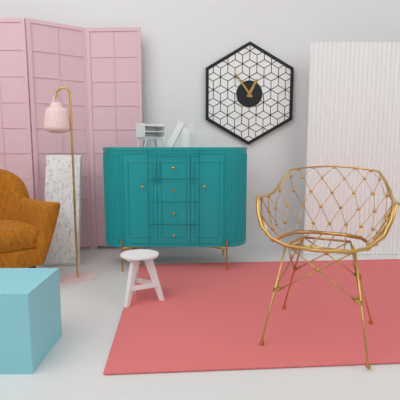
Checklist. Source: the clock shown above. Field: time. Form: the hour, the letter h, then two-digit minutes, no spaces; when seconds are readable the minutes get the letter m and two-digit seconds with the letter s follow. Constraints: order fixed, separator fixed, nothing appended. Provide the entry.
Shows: 12h54
